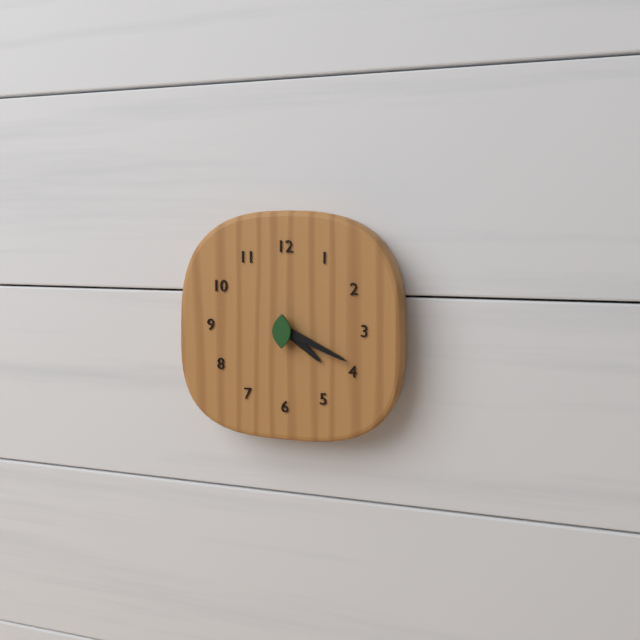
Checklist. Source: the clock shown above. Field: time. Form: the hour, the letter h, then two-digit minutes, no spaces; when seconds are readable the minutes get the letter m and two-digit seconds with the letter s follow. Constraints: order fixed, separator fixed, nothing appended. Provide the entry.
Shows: 4h19
